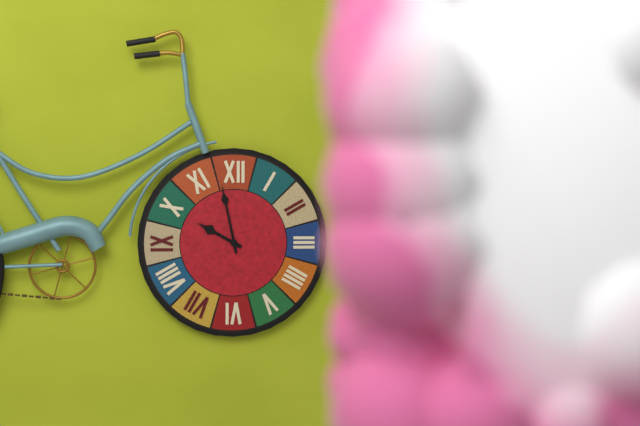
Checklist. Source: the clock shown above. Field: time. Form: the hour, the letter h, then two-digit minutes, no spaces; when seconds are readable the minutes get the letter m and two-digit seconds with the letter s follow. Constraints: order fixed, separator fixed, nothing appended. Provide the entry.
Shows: 9h58
